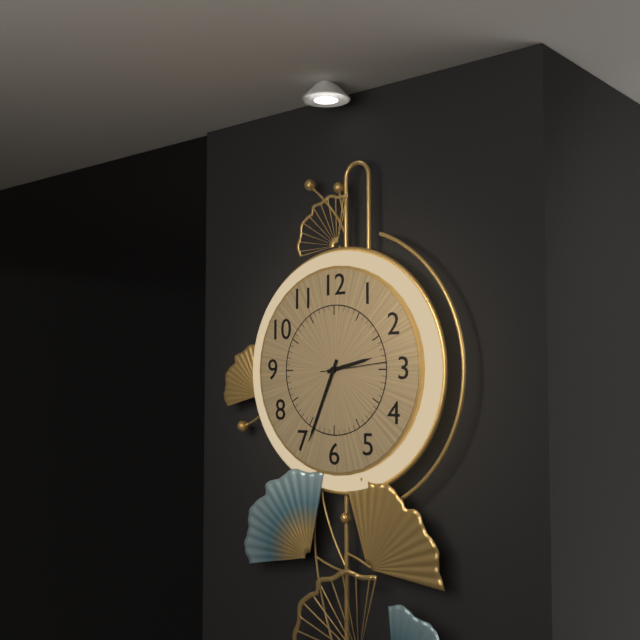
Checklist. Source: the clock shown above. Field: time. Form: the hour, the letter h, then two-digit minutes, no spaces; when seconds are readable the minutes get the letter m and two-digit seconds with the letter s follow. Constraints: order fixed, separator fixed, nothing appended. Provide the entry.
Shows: 2h34m14s
